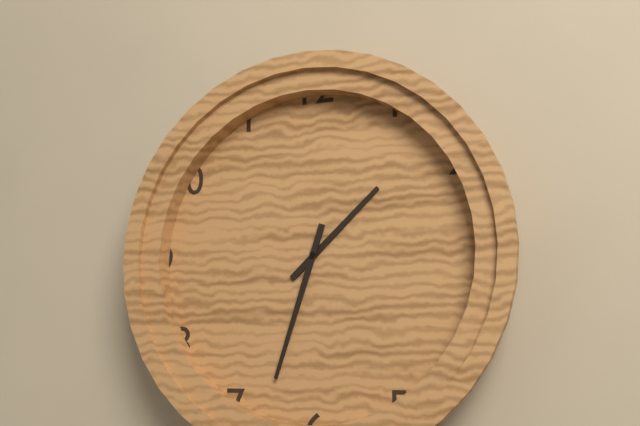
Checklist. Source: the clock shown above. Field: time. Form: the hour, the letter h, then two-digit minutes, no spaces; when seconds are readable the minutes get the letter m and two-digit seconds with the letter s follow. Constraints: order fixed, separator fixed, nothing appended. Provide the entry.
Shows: 1h33
